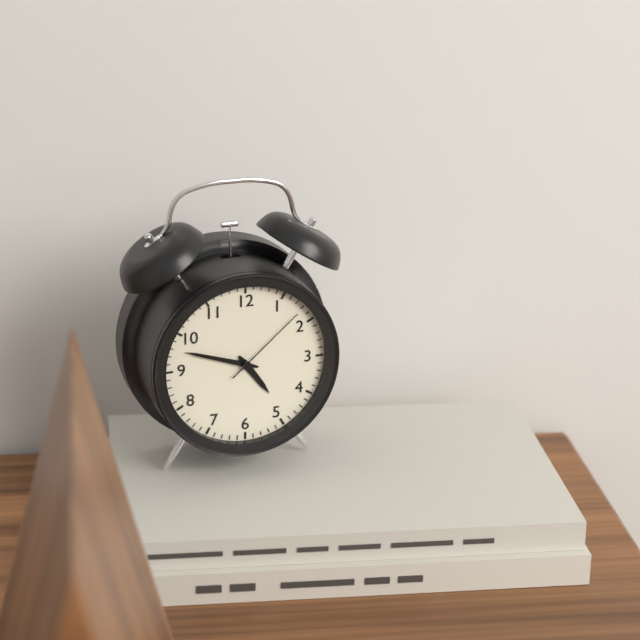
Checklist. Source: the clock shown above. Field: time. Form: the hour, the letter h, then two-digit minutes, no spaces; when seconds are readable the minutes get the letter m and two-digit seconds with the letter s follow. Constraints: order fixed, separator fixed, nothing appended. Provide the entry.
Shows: 4h48m08s
